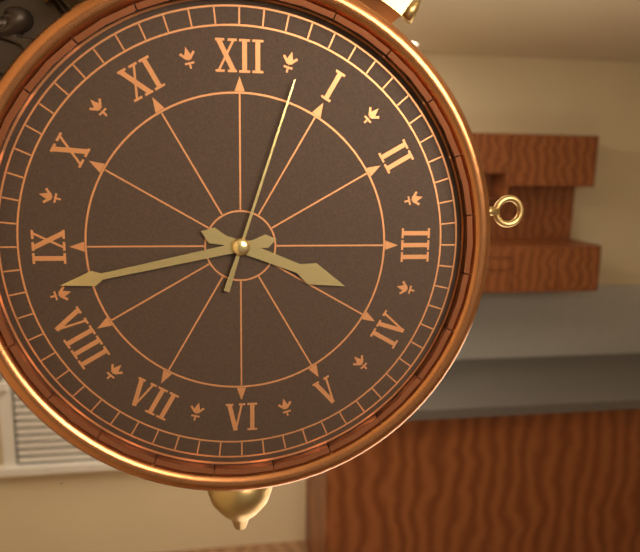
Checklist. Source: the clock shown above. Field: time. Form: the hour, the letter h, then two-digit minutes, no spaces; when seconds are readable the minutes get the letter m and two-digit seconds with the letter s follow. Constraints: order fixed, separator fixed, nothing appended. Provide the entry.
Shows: 3h43m03s
